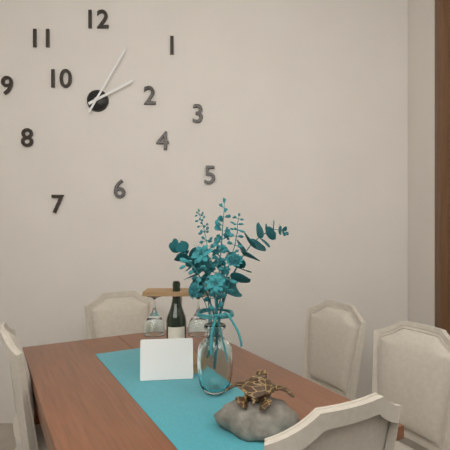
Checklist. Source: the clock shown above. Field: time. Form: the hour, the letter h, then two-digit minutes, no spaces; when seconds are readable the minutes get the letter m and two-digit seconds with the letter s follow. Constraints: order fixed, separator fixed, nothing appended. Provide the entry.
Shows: 2h05
